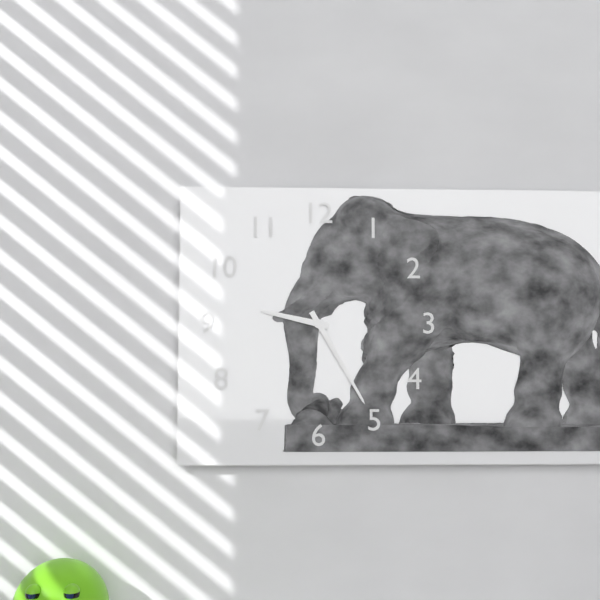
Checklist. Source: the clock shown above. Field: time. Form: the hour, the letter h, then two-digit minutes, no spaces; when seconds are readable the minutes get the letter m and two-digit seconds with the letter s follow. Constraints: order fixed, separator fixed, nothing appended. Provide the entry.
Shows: 9h25
